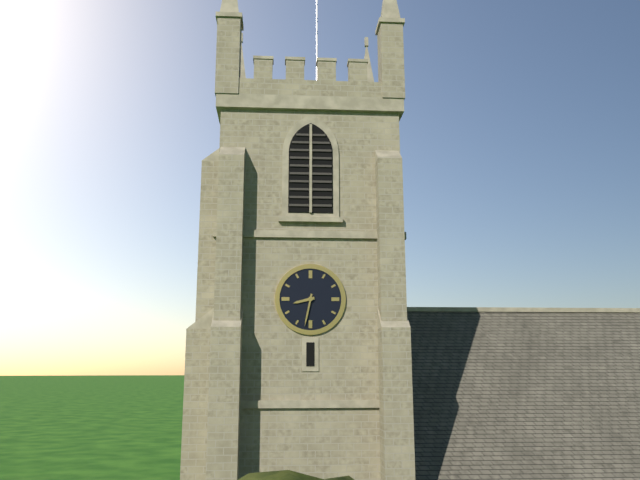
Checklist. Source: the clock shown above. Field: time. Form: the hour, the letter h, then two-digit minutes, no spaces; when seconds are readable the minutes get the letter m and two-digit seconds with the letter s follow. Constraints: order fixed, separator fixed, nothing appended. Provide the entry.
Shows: 8h32
